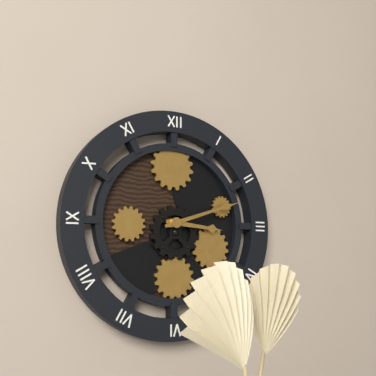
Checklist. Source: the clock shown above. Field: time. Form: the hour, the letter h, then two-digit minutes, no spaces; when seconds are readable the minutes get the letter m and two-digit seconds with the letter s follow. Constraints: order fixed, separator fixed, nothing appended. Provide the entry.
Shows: 3h12
